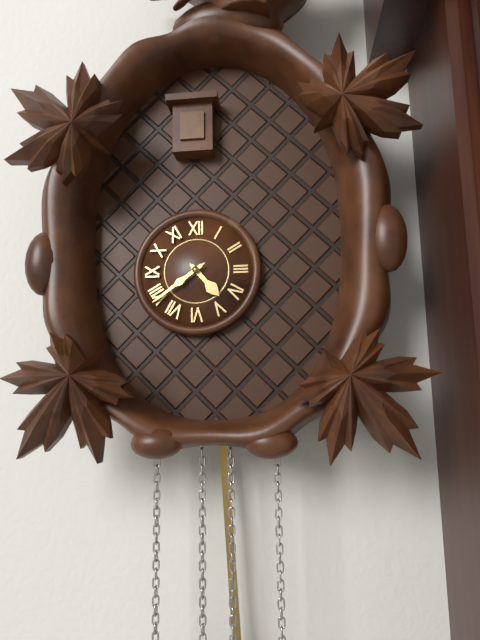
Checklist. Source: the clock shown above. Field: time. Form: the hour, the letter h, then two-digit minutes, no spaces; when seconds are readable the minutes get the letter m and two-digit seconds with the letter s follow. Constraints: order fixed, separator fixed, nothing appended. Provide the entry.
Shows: 4h39
